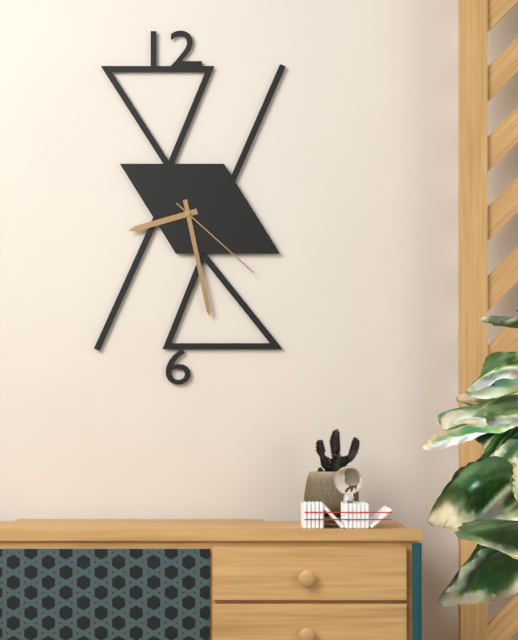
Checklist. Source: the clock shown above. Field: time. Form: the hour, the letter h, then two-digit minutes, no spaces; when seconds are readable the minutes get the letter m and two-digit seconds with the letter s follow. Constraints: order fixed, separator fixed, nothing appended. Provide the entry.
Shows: 8h28m22s
